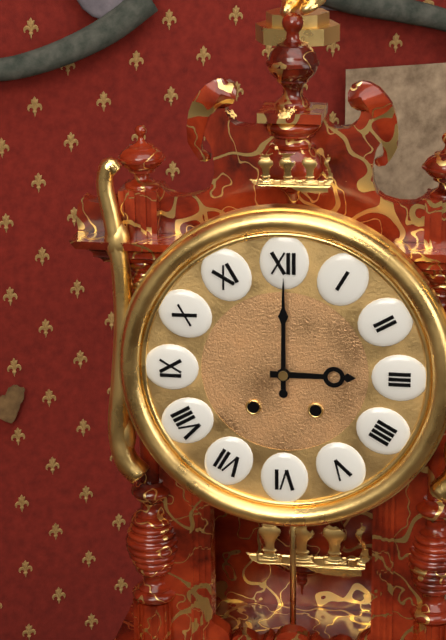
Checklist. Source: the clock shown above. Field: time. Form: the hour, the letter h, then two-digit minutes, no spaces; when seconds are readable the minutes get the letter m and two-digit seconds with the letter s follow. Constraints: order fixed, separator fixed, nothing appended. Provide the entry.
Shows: 3h00
